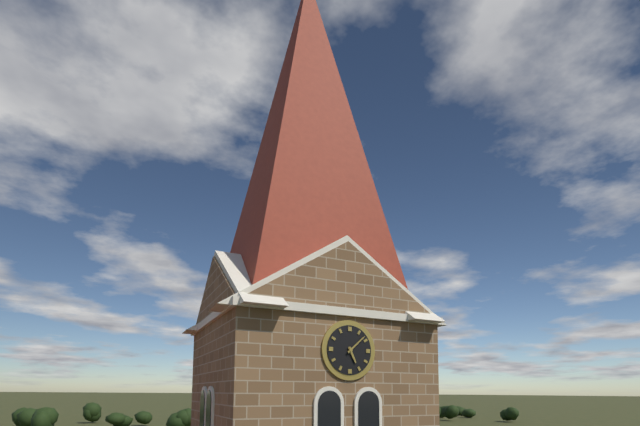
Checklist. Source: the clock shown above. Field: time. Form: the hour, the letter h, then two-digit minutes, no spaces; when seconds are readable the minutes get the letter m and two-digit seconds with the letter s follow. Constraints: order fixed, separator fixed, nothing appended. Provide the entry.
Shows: 5h08
